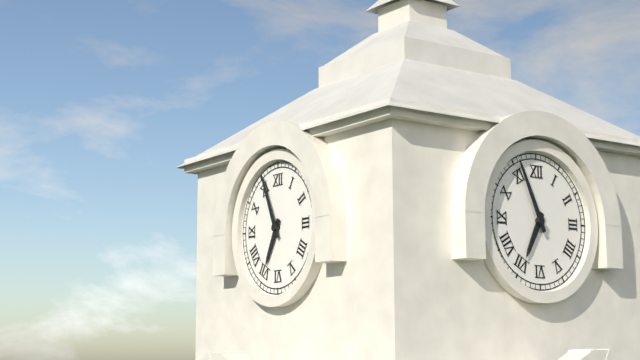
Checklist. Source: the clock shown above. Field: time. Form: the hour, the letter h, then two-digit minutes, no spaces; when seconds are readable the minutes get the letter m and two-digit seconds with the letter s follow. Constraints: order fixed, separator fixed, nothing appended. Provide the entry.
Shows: 6h56
